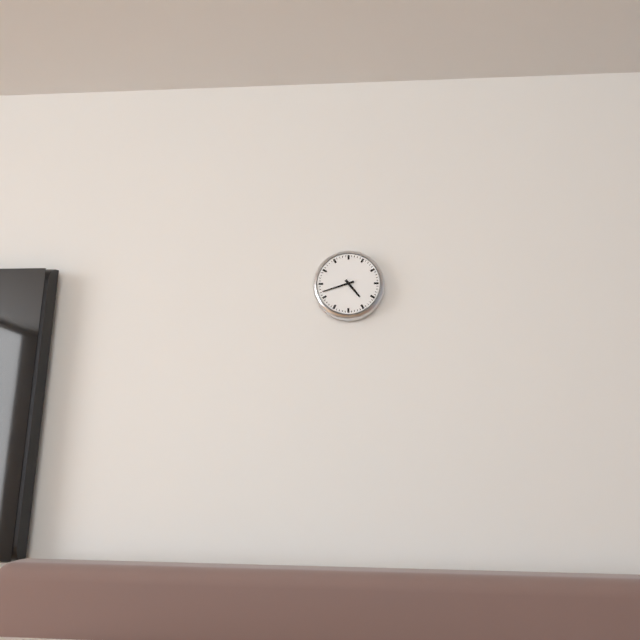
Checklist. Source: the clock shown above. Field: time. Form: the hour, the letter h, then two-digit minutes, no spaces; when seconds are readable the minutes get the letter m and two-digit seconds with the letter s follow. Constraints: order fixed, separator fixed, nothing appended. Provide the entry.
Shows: 4h42
